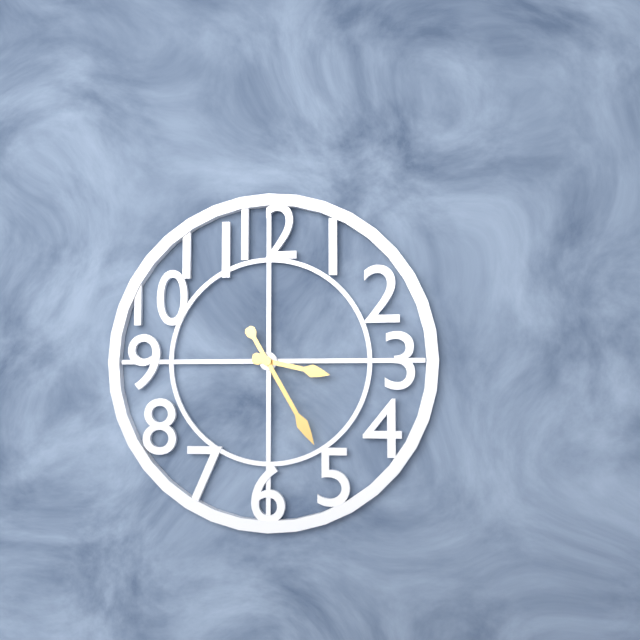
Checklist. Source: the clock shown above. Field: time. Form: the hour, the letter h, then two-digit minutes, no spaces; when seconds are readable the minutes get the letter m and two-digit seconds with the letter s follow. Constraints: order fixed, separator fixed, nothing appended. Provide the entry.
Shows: 3h25
